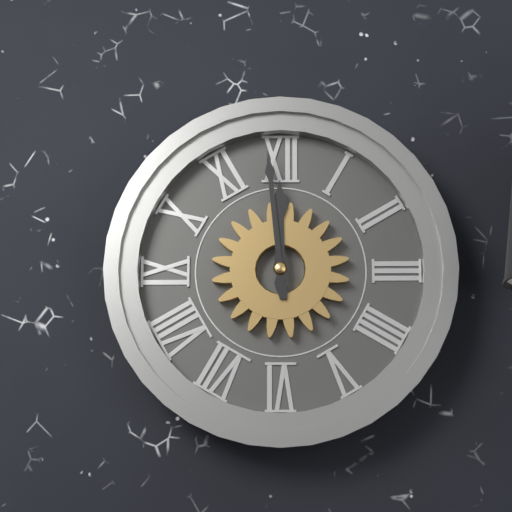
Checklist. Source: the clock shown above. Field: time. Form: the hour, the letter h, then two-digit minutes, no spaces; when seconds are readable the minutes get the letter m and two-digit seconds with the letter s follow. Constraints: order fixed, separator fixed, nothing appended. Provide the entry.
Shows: 11h59
